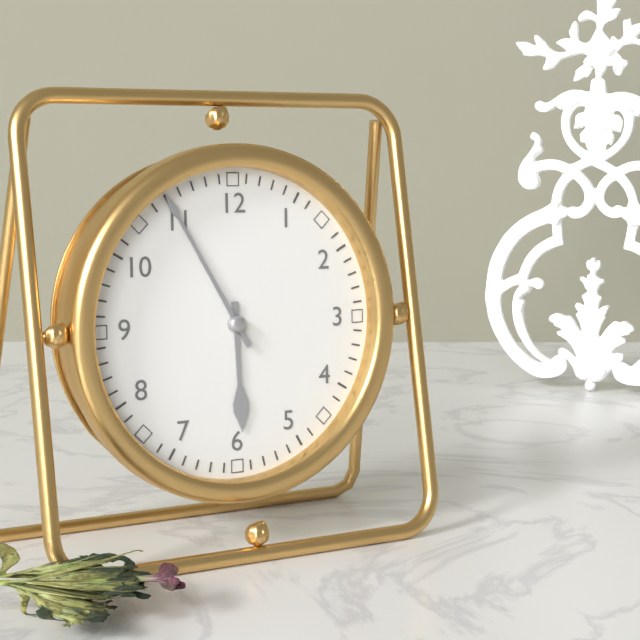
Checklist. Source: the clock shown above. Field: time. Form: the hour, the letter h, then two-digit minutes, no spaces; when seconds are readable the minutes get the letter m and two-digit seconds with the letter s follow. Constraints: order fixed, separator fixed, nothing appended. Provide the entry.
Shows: 5h55
